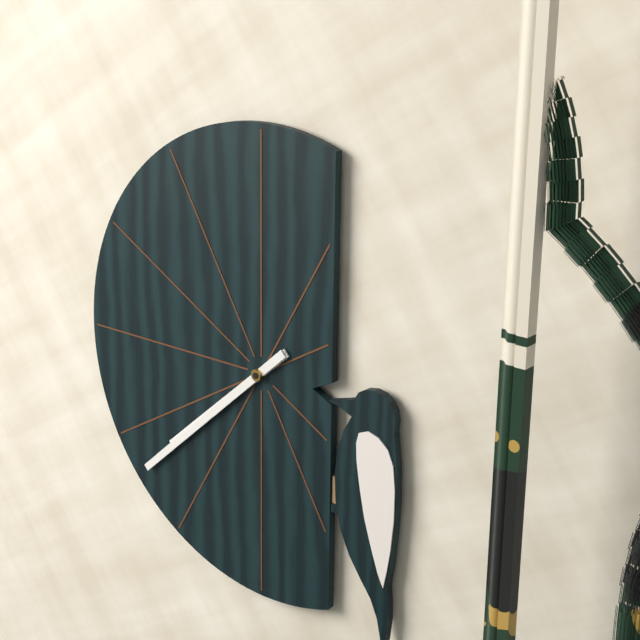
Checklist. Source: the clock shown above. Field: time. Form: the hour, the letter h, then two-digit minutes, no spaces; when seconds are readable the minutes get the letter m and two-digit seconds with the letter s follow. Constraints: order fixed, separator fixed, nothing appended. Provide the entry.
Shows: 7h38
